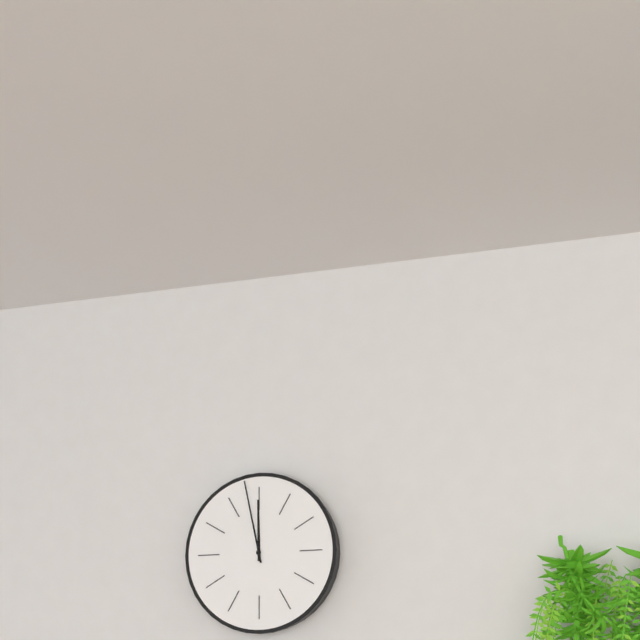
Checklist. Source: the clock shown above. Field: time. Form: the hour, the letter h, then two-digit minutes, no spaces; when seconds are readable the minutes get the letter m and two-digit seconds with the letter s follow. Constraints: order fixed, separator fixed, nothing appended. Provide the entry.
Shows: 11h58
